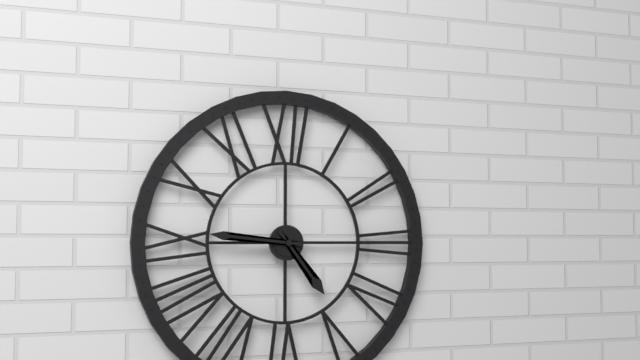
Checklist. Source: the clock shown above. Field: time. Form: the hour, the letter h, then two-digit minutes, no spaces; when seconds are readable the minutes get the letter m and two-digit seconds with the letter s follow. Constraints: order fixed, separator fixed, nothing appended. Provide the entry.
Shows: 4h46
